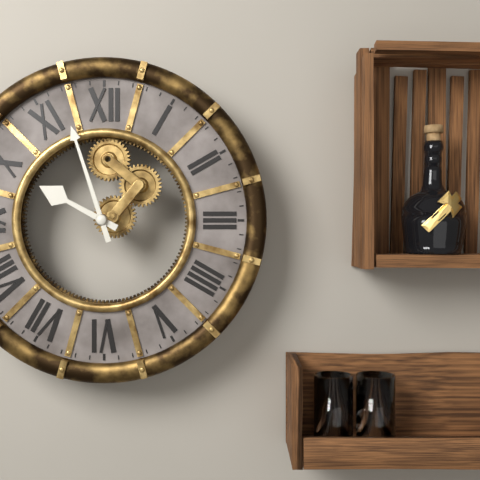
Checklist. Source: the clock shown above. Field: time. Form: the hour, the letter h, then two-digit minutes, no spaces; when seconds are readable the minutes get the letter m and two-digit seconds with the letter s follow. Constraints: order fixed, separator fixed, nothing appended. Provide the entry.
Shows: 9h57
